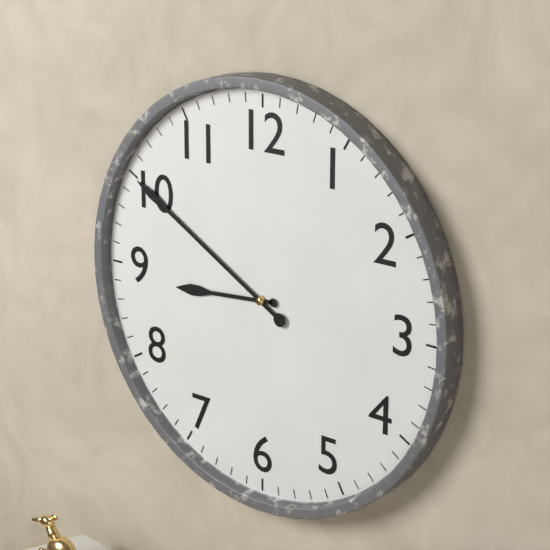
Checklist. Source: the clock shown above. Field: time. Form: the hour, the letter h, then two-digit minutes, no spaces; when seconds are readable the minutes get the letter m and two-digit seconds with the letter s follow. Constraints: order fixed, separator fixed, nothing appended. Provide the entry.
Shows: 8h50
